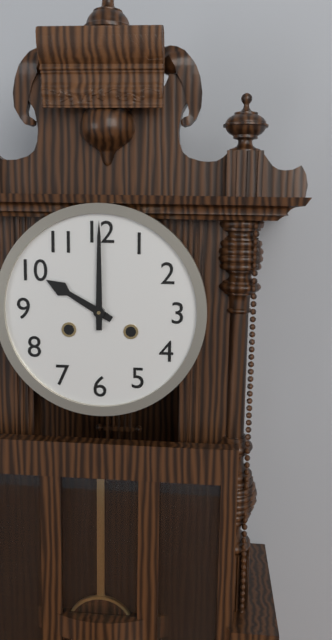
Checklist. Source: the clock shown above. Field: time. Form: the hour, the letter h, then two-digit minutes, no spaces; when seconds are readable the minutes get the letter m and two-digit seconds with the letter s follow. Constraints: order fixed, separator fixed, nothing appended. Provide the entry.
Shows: 10h00
